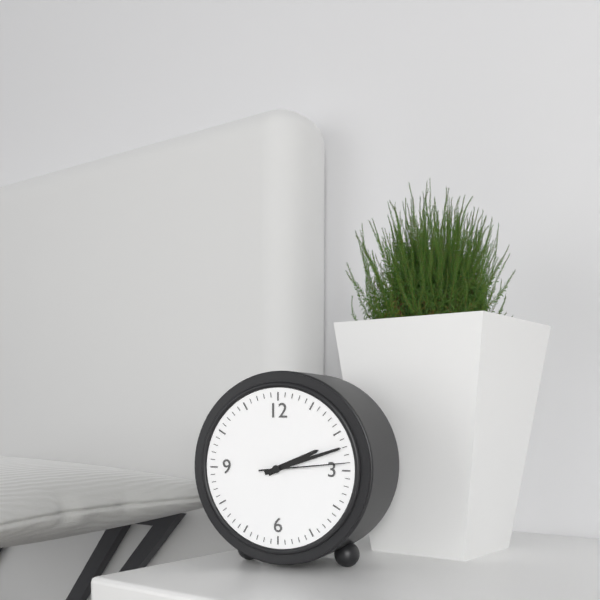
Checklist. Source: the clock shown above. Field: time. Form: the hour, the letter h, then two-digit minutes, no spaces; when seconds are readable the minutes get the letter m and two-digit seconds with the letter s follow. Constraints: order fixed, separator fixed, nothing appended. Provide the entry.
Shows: 2h12m14s
